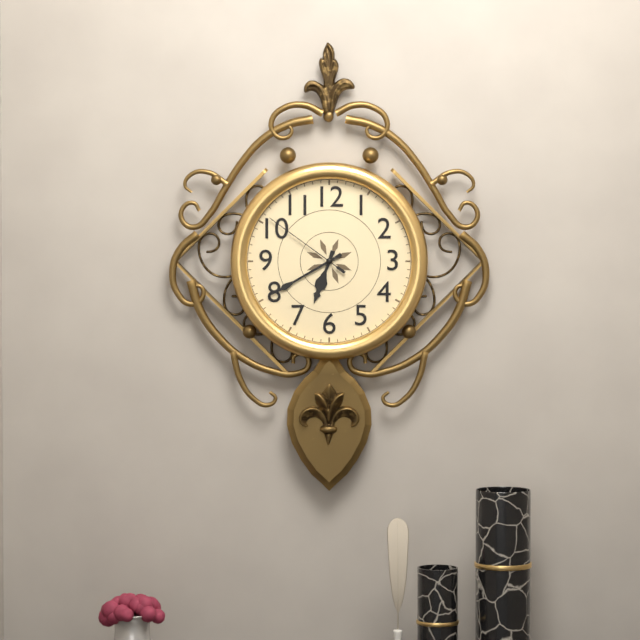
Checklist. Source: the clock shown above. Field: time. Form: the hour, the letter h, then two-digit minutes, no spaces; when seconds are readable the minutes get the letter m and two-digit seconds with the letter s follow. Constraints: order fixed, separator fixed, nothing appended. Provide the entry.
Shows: 6h40m51s
